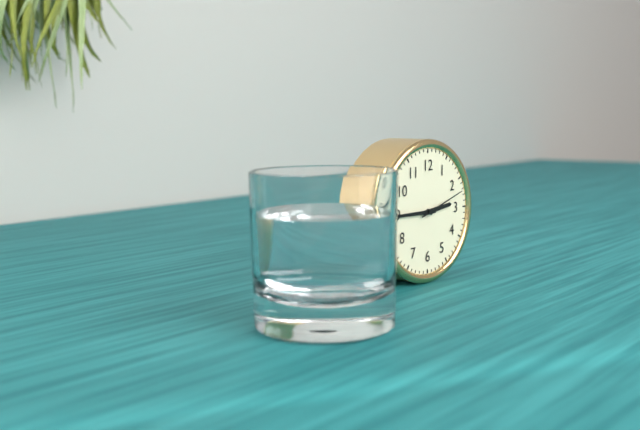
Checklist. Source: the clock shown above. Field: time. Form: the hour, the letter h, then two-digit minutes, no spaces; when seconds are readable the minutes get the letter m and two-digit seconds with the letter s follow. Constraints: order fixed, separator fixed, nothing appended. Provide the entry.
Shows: 2h45m12s
